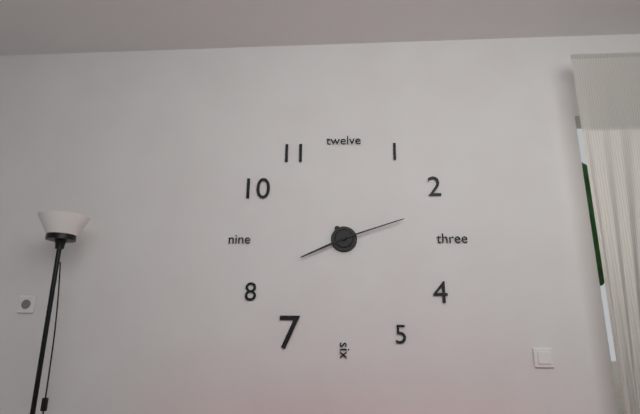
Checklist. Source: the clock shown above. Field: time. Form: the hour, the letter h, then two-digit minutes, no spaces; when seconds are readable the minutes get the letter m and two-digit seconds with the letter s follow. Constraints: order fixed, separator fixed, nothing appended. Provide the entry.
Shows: 8h12
